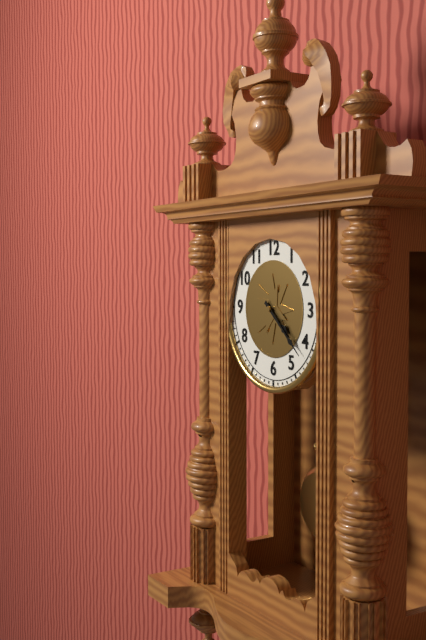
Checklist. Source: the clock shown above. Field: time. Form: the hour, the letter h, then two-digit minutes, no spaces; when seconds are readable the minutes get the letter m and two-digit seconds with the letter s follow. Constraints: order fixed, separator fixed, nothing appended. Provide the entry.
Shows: 4h22
